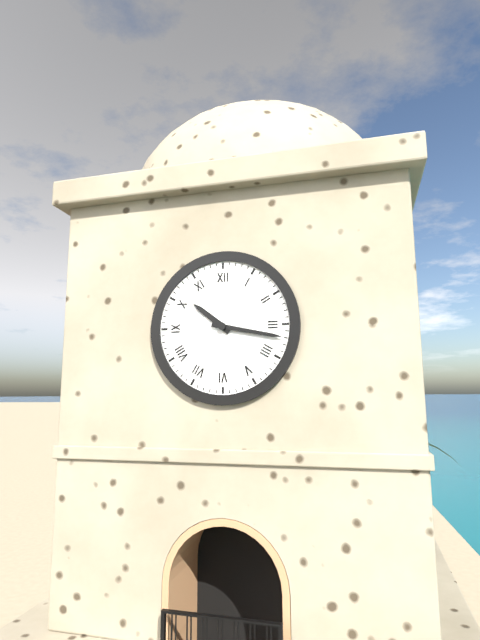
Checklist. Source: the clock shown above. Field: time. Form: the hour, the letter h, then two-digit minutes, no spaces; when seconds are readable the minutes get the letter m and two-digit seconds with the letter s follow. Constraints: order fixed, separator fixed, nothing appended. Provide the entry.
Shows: 10h17
